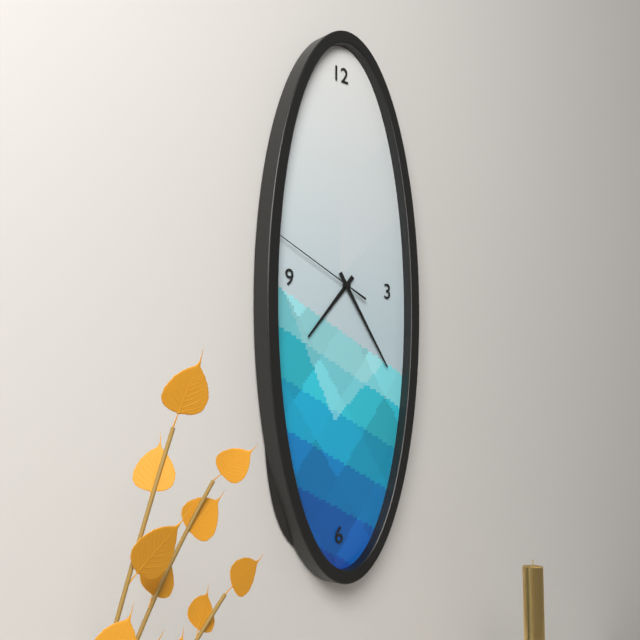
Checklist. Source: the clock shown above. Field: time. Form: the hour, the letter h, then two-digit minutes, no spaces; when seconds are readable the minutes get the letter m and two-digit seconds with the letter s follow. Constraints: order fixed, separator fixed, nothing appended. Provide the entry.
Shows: 7h24m49s
